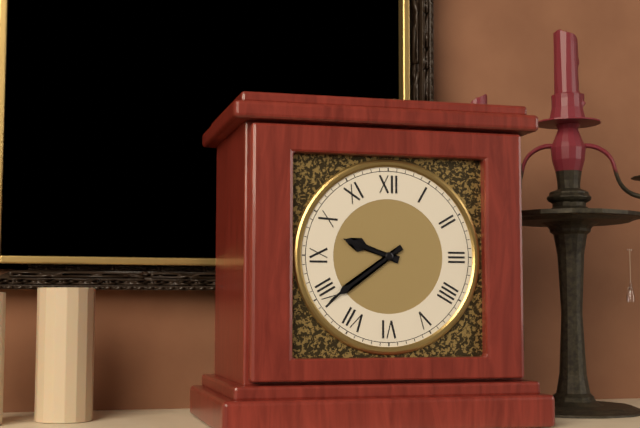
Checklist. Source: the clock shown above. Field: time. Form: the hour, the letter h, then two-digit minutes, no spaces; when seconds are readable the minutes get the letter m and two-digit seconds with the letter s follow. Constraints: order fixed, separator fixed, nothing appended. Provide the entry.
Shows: 9h39
